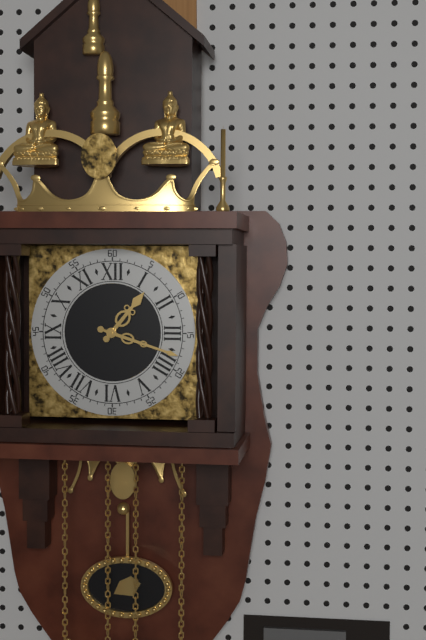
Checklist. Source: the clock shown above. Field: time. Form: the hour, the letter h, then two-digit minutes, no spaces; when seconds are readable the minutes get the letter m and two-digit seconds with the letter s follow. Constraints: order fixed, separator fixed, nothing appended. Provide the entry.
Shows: 1h18
